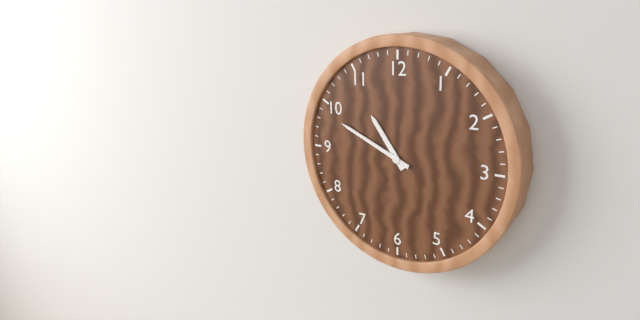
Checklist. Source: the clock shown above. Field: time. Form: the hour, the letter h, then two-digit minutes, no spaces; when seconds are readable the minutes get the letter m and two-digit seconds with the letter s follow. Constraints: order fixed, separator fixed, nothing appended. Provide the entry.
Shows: 10h49
